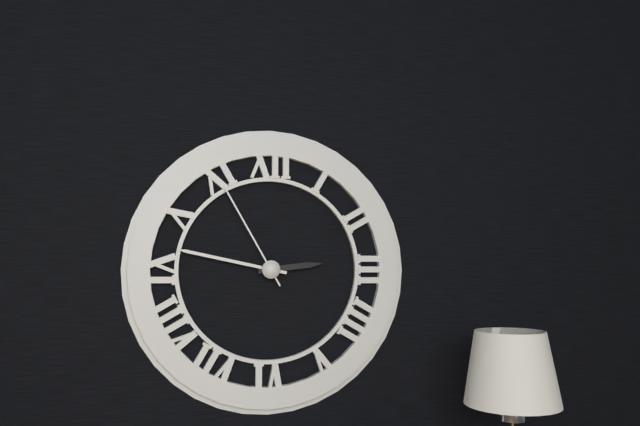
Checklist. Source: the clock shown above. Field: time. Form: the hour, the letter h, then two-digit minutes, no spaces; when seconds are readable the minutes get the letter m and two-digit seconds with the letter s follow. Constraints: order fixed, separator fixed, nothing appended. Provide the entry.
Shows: 2h47m55s
